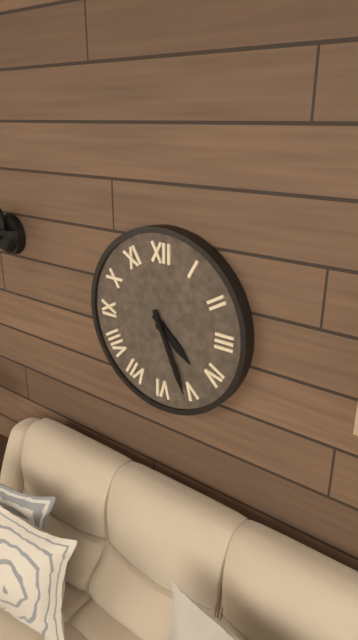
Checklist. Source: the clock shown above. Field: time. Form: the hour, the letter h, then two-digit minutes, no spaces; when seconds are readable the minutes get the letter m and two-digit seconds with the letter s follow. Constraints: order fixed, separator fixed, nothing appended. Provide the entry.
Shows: 4h26
